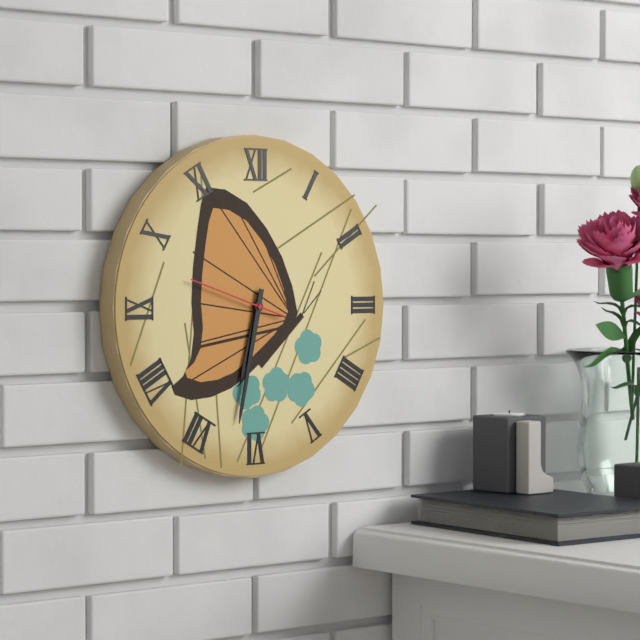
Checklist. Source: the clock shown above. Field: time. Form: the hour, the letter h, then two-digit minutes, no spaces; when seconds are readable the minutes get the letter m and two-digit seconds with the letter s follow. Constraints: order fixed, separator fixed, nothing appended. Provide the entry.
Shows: 6h32m48s
